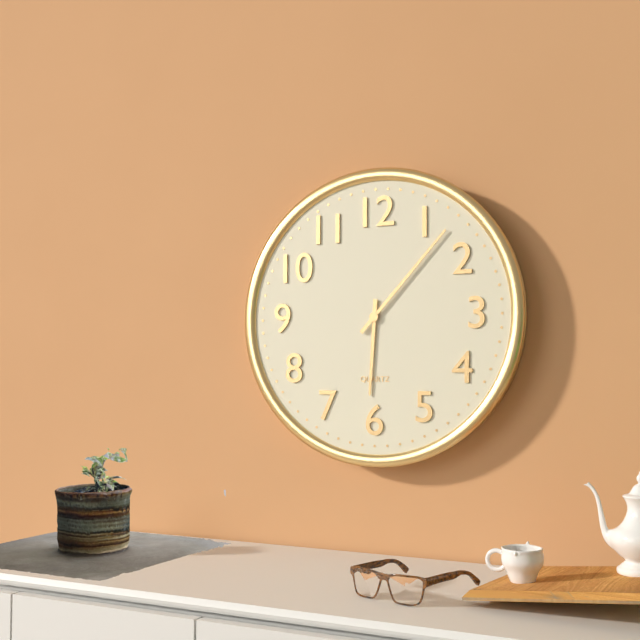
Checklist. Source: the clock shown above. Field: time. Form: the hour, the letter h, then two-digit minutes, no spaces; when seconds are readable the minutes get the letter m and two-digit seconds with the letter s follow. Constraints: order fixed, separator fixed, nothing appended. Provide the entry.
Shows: 6h07
